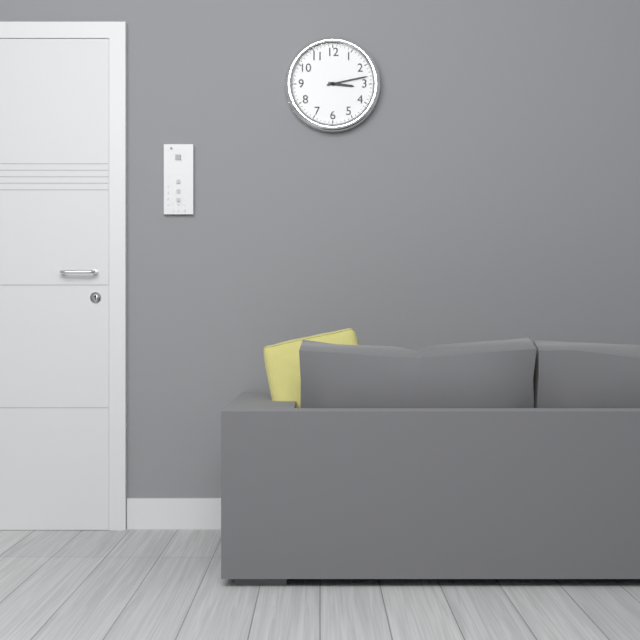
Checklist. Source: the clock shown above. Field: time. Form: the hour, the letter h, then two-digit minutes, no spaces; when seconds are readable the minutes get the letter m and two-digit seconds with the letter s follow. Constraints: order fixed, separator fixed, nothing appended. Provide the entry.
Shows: 3h13
